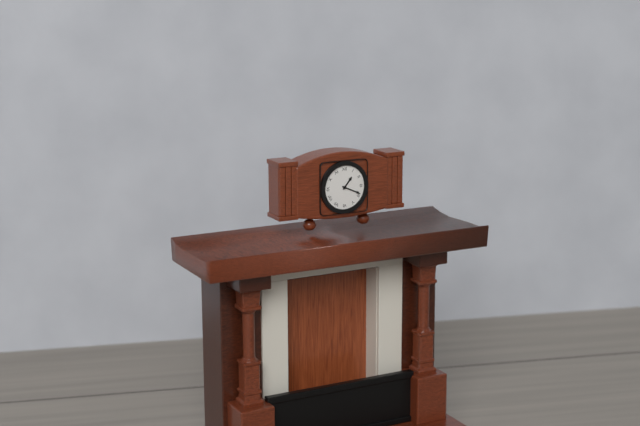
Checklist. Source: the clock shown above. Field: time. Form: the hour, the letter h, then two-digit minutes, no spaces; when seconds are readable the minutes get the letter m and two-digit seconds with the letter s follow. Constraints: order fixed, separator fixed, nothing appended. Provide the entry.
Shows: 1h19
